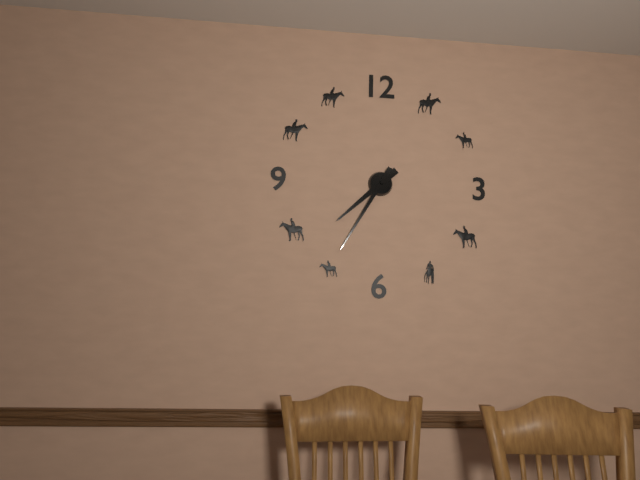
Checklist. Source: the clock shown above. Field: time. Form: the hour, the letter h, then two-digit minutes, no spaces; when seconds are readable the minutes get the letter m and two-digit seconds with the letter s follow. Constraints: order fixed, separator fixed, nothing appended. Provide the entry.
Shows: 7h35
